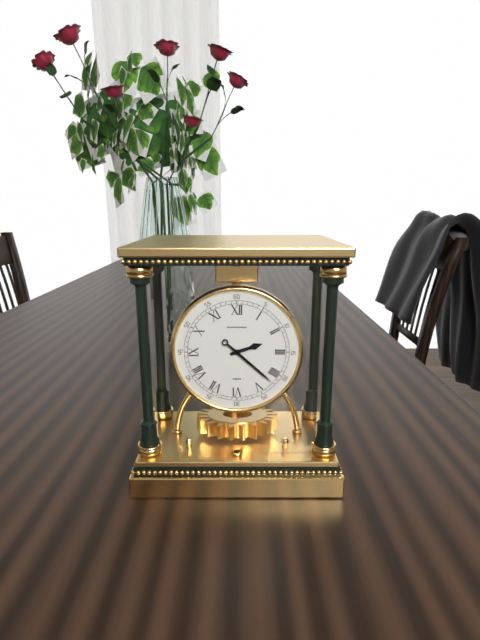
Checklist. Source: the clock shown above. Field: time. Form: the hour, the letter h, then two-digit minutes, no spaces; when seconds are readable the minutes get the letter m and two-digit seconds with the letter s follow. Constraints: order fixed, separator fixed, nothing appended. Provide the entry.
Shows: 2h22
